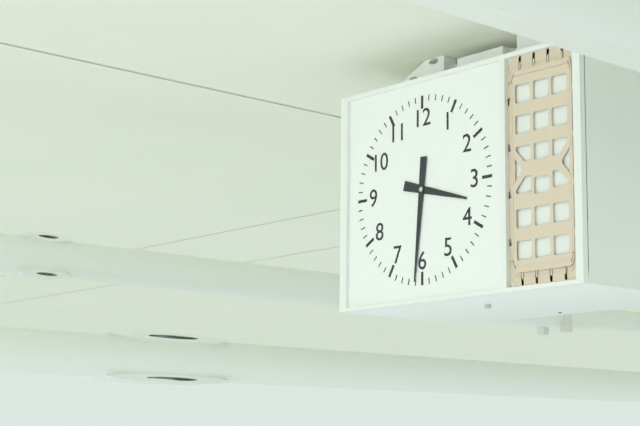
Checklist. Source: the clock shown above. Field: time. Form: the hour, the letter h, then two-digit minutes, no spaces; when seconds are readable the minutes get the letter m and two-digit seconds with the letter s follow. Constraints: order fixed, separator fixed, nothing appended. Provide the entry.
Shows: 3h31
